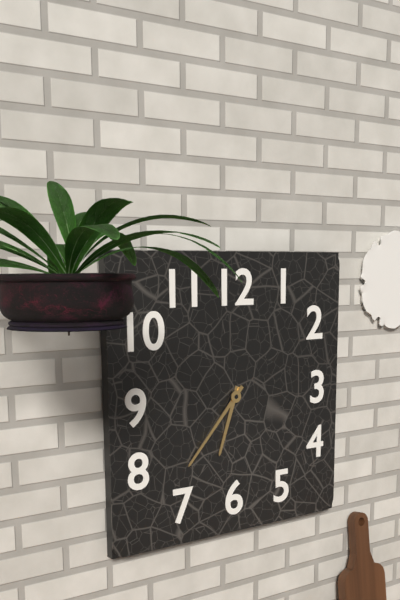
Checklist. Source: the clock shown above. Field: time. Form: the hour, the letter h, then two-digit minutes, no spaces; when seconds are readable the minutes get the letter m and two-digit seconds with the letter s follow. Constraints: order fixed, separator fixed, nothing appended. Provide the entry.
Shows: 6h37
